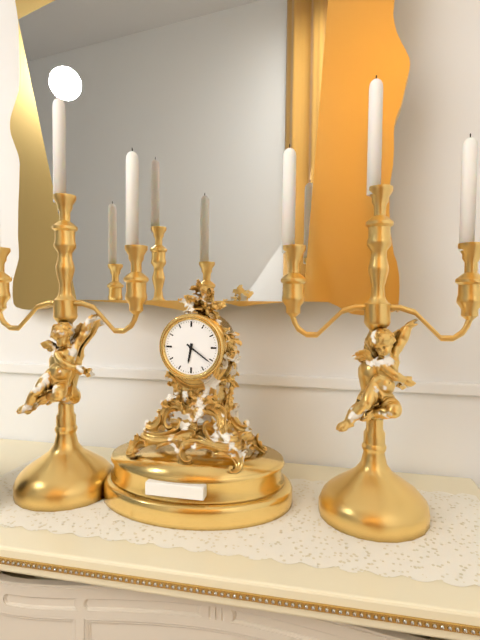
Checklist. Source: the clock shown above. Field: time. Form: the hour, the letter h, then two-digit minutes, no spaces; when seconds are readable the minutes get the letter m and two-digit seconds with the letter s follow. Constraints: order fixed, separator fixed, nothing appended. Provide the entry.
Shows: 6h21
